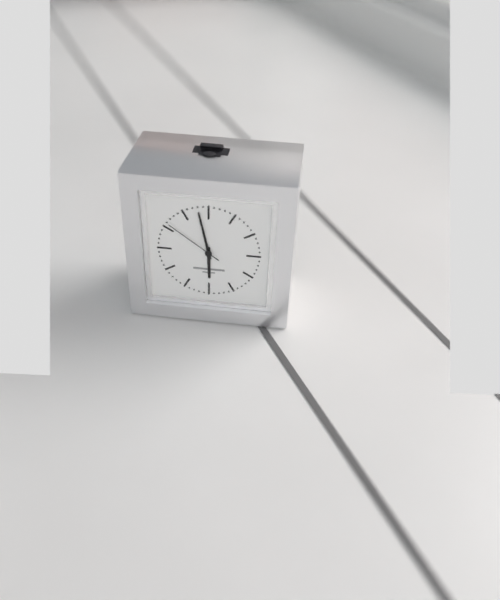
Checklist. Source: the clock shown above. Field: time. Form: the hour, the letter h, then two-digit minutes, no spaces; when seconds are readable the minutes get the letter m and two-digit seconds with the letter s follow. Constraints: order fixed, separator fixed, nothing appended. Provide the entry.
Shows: 5h58m51s
